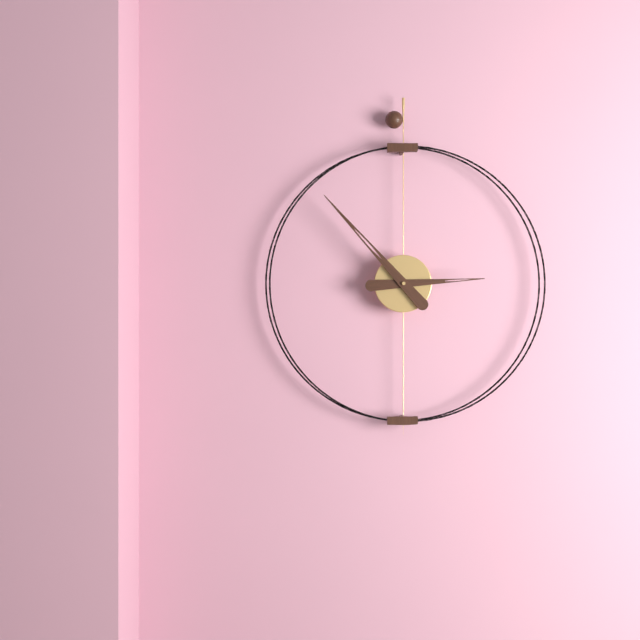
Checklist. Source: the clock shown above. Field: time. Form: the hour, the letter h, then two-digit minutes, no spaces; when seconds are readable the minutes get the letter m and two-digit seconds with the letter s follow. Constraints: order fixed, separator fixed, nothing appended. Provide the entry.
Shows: 2h53
